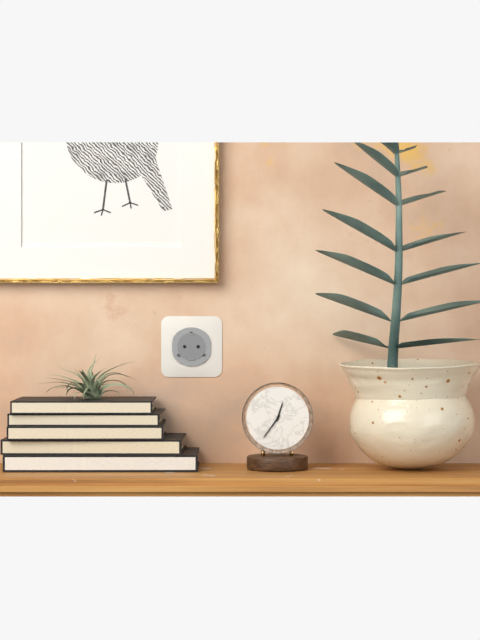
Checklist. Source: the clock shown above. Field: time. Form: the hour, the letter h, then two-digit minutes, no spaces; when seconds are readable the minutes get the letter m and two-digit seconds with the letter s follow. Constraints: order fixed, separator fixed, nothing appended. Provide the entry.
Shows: 12h36
